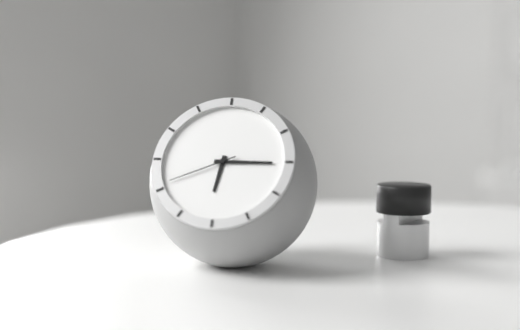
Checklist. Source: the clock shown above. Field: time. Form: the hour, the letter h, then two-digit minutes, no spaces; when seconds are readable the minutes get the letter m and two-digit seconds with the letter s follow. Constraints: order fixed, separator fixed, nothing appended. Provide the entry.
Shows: 6h15m41s
